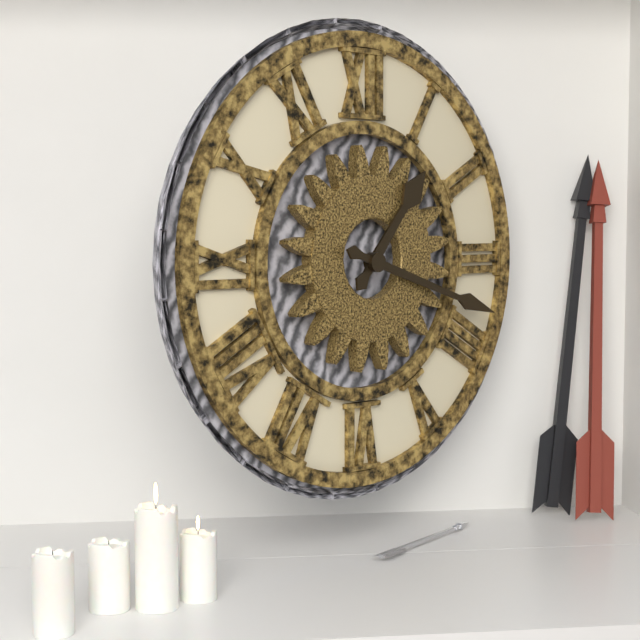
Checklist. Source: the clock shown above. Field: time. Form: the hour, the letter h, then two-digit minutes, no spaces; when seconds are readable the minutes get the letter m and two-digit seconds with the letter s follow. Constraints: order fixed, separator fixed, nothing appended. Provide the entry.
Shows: 1h18
